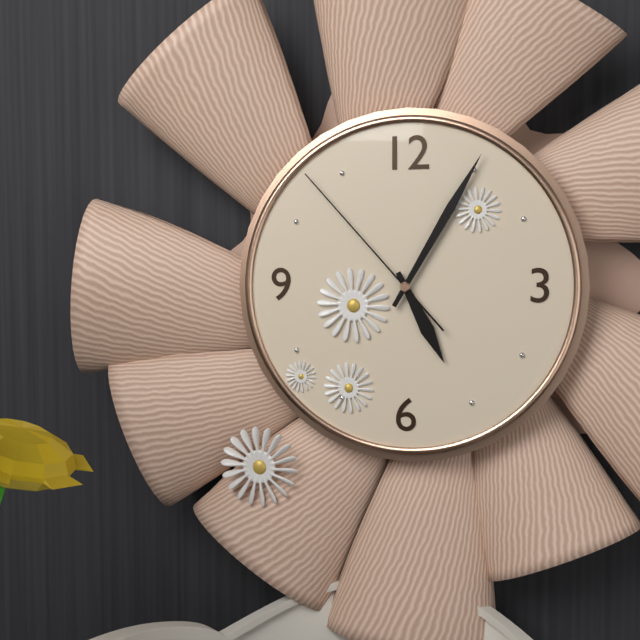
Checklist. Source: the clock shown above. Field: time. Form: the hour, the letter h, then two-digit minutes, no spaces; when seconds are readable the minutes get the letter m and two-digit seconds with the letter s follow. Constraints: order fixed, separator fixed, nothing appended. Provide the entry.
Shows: 5h05m53s
